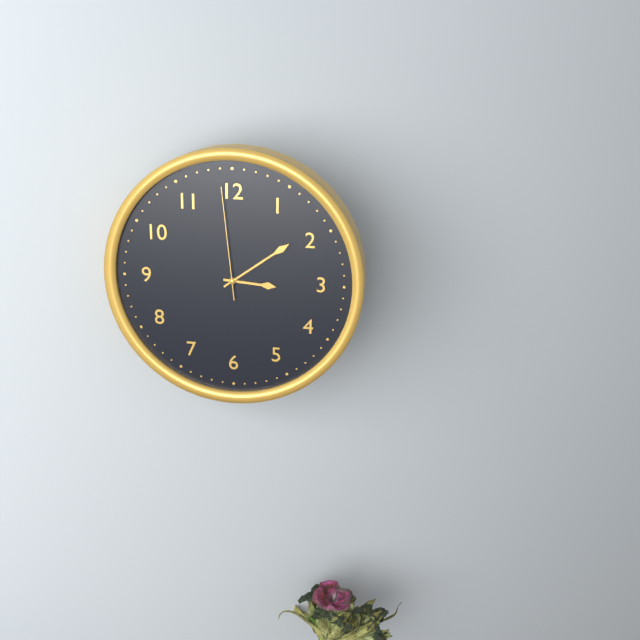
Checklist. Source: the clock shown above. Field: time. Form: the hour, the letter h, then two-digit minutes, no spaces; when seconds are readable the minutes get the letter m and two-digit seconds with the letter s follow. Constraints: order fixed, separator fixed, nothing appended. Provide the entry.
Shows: 3h09m59s
